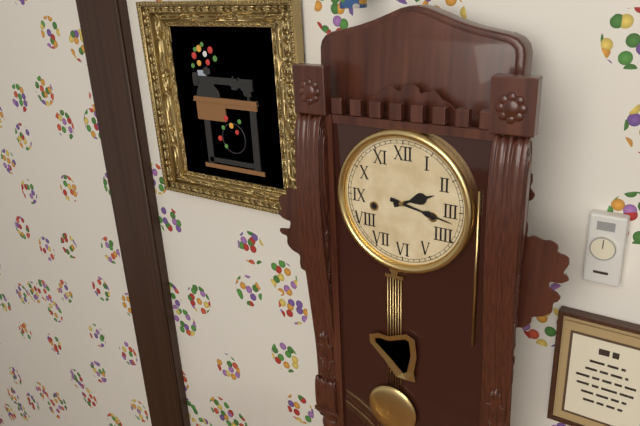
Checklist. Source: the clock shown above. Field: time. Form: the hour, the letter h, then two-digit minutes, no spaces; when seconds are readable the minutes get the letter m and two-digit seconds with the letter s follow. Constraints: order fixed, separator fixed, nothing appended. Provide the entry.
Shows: 2h17
